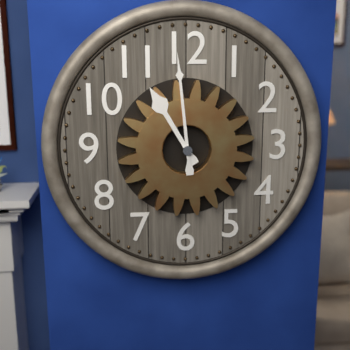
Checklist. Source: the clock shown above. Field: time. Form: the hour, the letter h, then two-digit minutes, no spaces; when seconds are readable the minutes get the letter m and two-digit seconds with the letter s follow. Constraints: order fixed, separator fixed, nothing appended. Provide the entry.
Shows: 10h59
